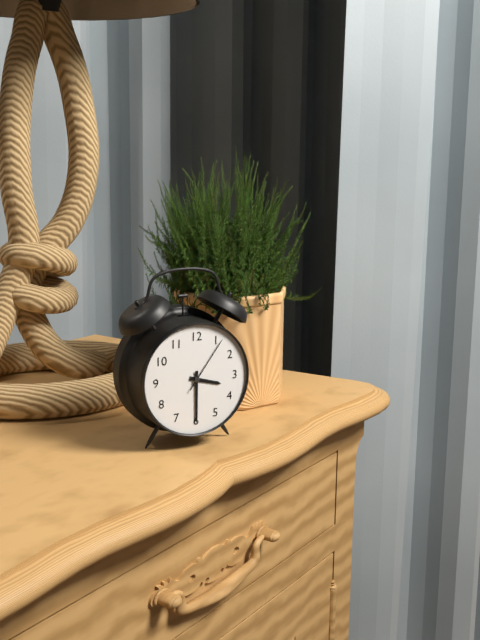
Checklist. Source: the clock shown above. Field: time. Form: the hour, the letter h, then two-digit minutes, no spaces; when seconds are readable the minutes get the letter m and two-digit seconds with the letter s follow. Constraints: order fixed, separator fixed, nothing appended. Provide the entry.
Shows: 3h30m06s
